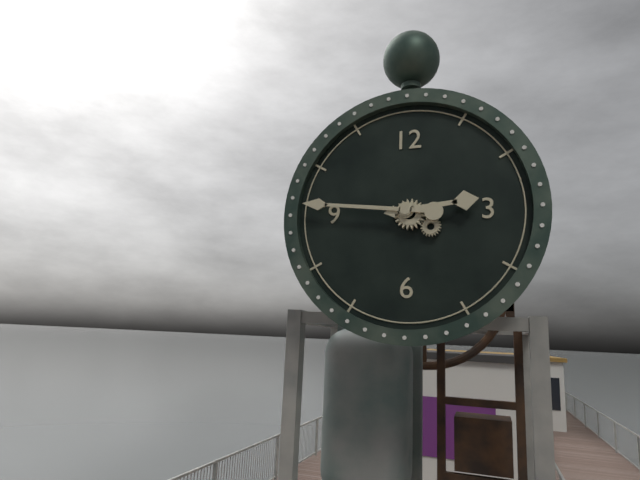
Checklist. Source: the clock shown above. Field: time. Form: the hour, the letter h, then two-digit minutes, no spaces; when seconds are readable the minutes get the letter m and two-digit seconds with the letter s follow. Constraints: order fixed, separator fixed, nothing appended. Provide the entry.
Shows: 2h46
